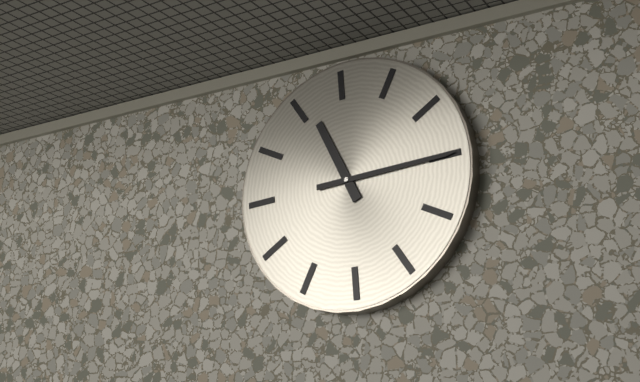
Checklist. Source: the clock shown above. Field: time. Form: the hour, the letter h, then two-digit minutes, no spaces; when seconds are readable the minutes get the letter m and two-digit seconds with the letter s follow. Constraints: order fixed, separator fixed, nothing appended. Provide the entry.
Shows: 11h15
